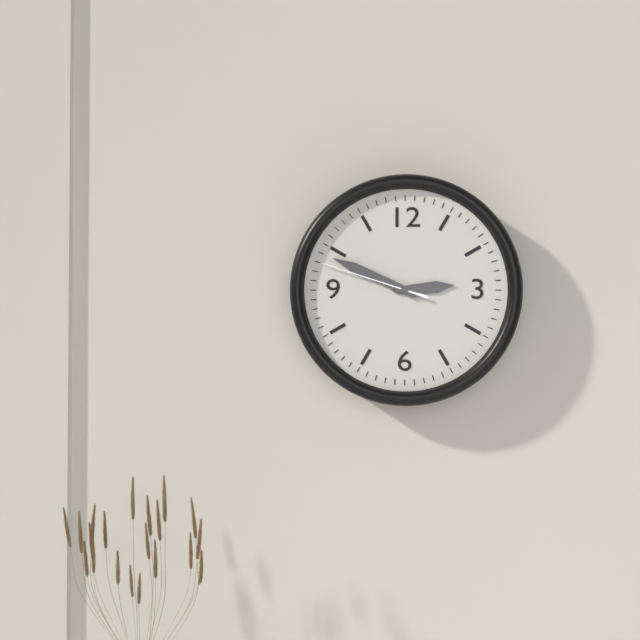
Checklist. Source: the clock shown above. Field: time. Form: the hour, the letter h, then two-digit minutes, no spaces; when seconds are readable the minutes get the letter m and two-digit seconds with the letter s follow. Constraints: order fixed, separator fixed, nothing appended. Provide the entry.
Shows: 2h49m48s
